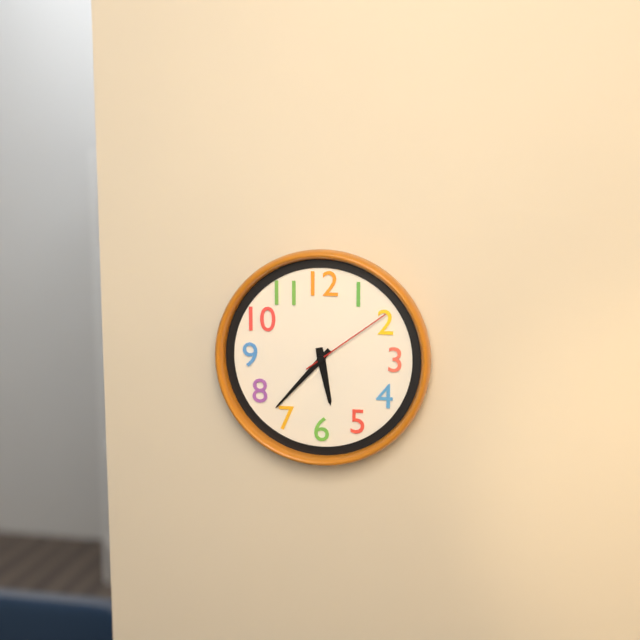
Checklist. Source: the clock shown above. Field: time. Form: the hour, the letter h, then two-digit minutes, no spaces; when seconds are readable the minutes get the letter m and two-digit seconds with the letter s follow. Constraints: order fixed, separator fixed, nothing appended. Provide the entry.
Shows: 5h37m09s
